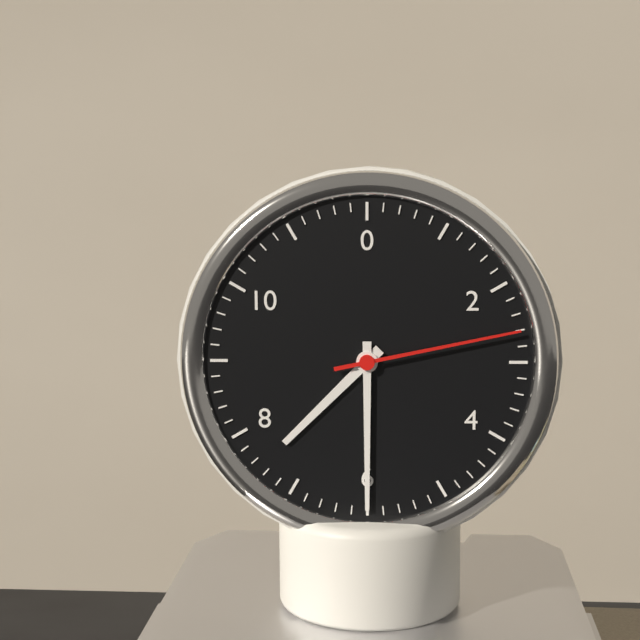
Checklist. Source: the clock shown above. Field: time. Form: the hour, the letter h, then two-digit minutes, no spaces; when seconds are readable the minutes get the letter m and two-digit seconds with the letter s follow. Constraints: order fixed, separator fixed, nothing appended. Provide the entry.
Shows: 7h30m13s
